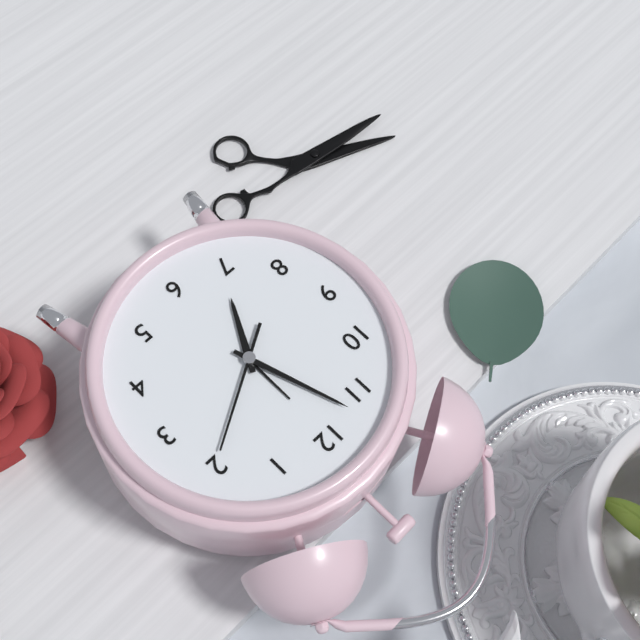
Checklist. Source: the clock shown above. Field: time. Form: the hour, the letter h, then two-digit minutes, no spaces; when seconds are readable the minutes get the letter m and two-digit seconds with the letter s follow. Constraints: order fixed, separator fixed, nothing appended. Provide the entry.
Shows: 6h57m10s
